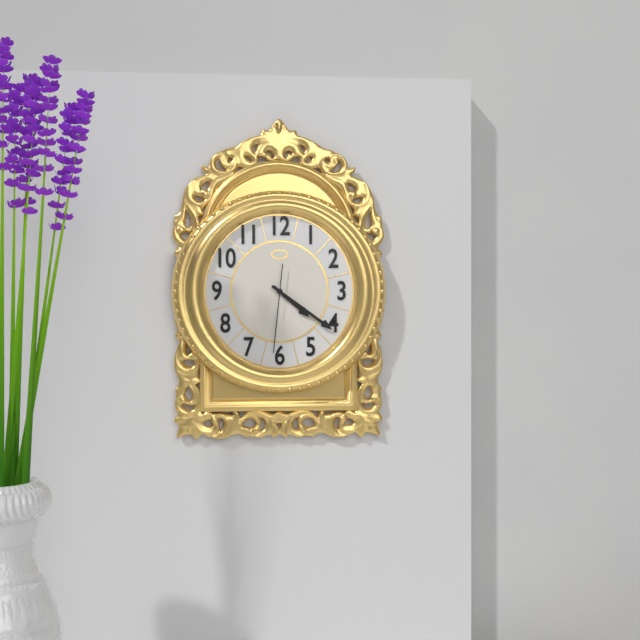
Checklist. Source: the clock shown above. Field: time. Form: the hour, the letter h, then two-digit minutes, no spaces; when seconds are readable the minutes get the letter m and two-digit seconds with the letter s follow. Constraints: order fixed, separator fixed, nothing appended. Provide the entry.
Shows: 4h21m31s
